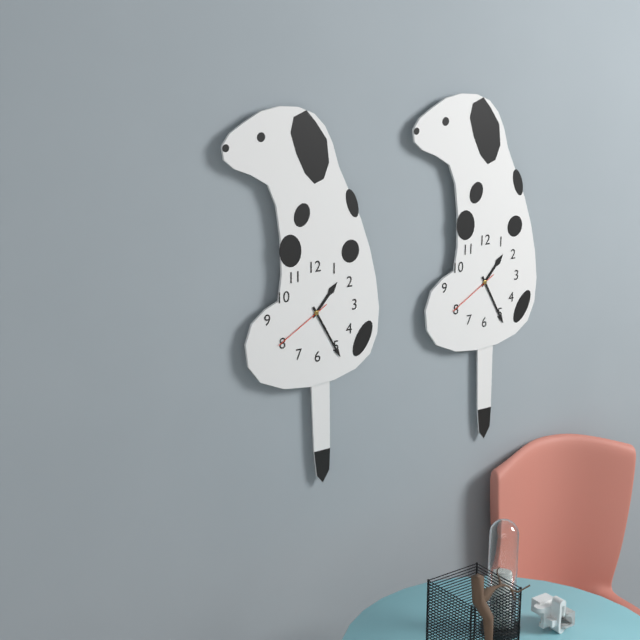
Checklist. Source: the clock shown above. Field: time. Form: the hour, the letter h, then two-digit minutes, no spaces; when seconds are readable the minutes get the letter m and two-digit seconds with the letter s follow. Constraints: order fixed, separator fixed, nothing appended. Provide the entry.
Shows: 1h25m40s
